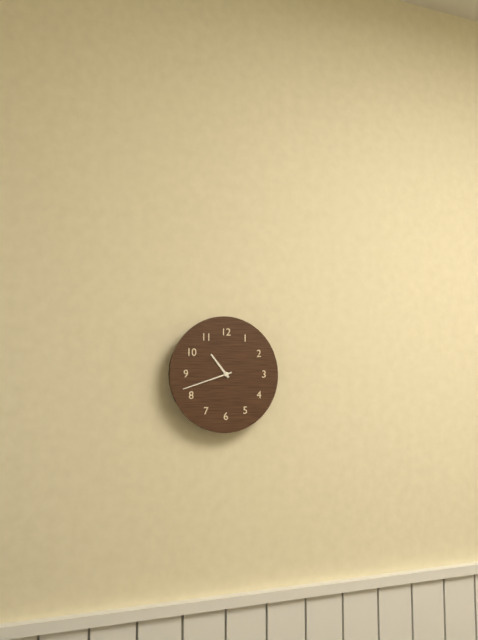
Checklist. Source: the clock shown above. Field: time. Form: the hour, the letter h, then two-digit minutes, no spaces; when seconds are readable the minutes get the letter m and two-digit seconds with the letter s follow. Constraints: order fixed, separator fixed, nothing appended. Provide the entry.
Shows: 10h42
